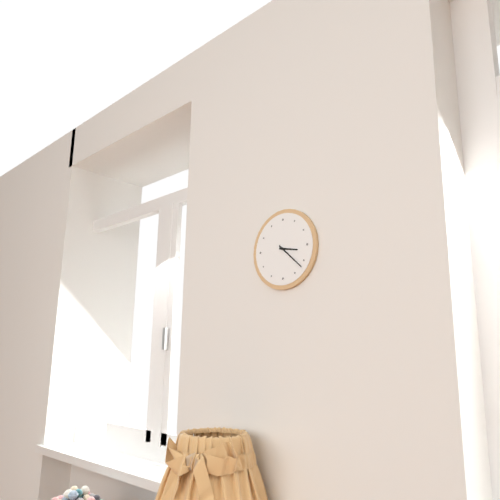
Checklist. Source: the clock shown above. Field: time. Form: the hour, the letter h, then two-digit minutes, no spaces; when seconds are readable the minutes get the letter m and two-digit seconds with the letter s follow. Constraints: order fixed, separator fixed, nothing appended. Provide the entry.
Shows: 3h22
